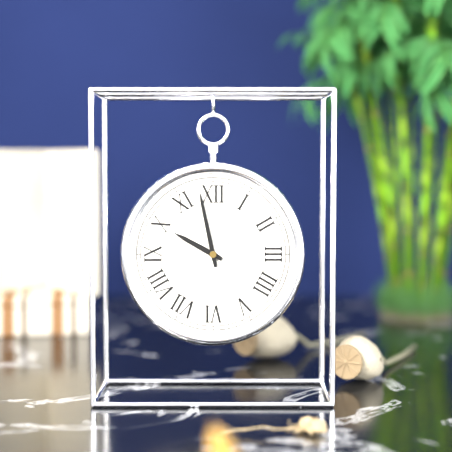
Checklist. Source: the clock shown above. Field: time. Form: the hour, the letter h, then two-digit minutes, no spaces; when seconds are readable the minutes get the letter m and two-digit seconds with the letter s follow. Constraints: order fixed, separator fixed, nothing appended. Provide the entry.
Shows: 9h58
